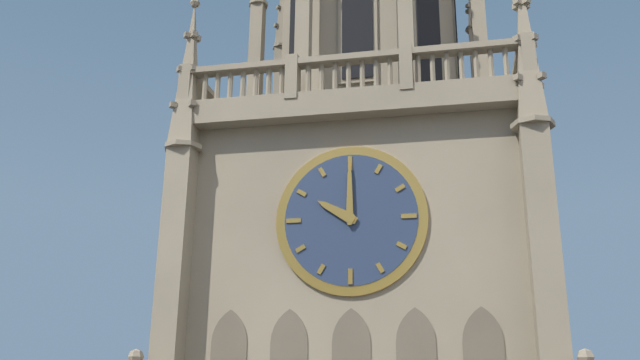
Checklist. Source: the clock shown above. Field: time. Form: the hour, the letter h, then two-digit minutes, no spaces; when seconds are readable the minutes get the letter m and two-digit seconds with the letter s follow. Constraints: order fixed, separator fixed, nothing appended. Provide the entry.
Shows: 10h00
